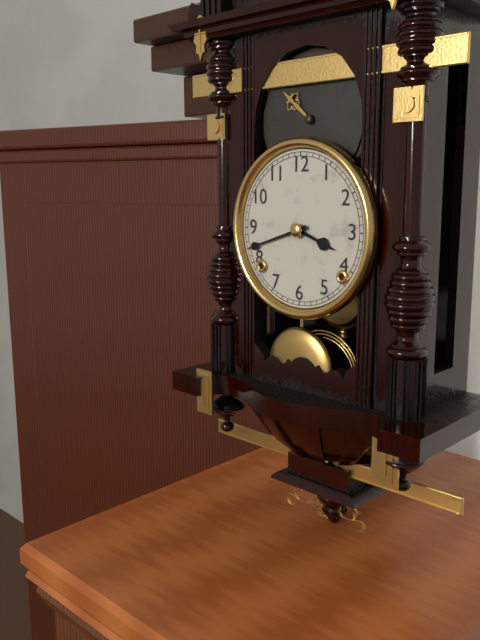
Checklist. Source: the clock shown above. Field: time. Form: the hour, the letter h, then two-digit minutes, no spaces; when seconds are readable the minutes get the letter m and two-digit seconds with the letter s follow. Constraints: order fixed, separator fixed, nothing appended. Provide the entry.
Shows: 3h42
